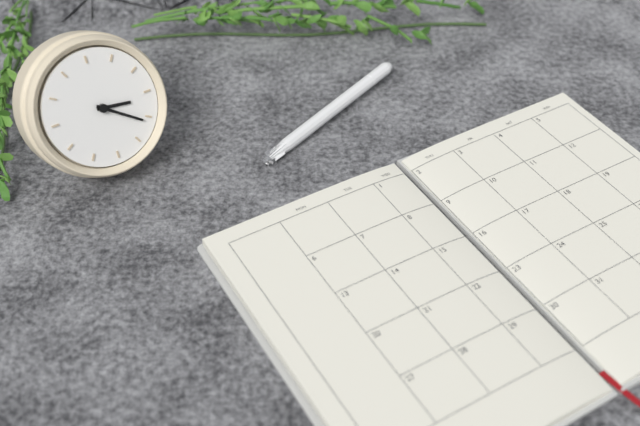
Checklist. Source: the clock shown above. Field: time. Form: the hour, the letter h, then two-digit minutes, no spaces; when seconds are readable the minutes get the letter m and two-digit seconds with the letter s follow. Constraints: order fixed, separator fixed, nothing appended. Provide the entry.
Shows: 2h16
